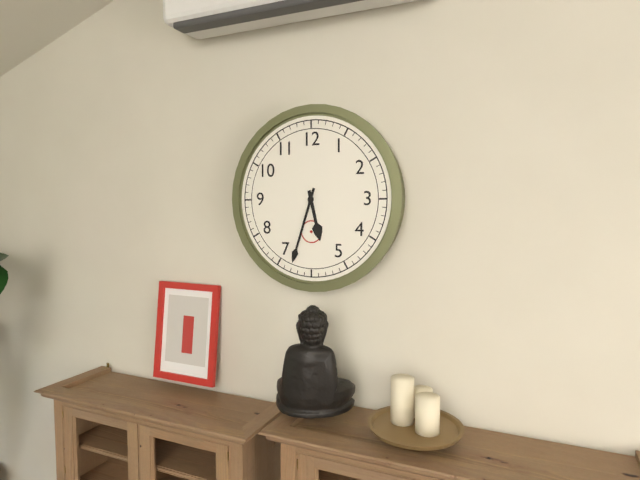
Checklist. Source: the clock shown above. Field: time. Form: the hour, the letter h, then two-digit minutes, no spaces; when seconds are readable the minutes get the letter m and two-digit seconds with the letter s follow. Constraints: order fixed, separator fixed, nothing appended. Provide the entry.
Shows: 5h33
